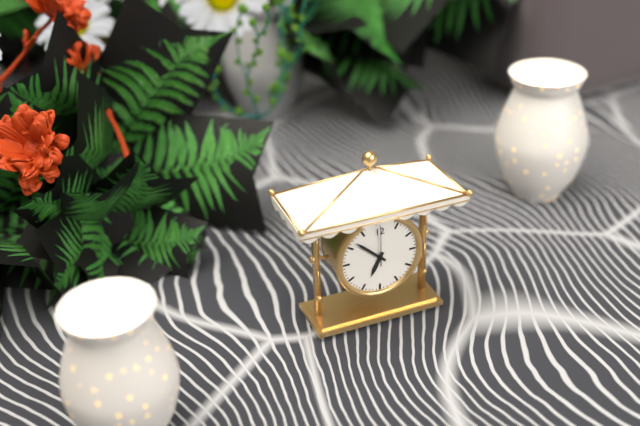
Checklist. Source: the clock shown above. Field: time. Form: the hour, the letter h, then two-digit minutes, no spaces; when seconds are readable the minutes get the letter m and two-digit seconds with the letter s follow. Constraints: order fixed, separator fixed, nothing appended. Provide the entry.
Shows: 6h52
